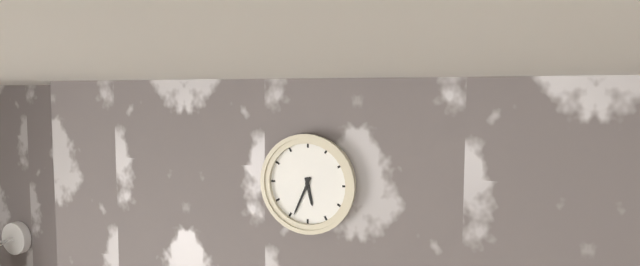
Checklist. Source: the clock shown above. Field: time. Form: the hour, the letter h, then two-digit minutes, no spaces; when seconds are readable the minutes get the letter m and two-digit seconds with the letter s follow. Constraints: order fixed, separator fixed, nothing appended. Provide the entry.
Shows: 5h34
